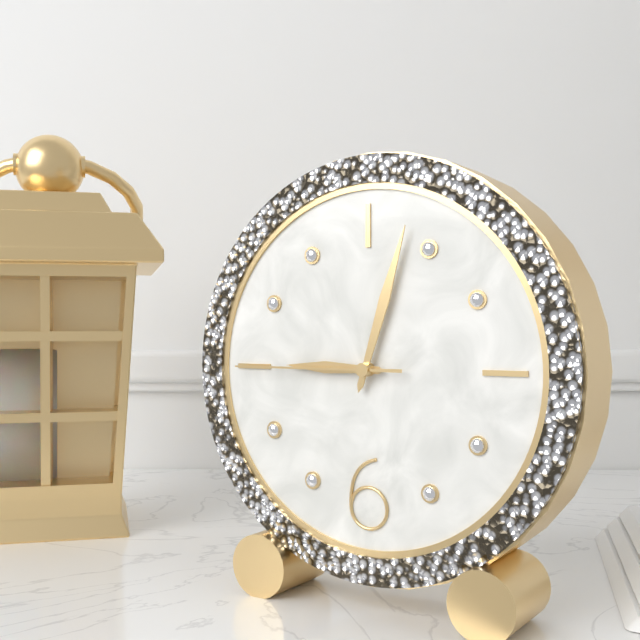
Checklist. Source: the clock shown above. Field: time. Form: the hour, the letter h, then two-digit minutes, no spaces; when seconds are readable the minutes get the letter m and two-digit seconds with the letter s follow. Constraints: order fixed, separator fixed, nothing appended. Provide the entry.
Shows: 9h03m45s
